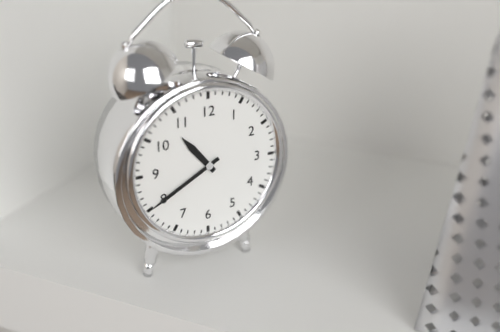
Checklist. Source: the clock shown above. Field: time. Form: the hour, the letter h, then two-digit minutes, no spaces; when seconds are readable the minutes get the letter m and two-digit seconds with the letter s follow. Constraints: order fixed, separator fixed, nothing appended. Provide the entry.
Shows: 10h40
